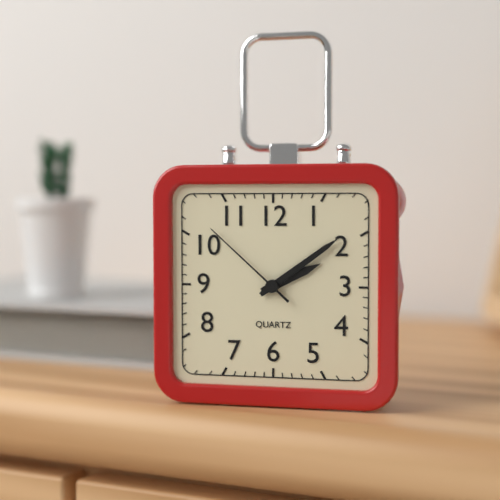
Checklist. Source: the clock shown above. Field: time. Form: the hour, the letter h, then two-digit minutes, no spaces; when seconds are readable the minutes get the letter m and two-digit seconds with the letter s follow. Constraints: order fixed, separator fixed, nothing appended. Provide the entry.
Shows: 2h09m52s
